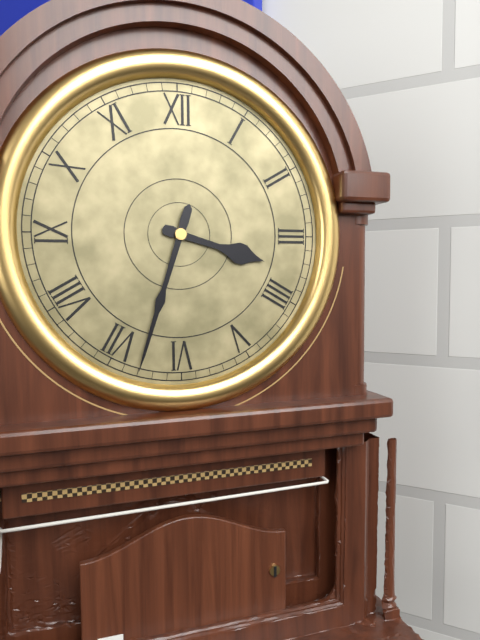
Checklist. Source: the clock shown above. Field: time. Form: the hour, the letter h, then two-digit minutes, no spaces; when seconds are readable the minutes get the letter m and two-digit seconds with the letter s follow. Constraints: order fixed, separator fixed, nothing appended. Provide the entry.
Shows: 3h33
